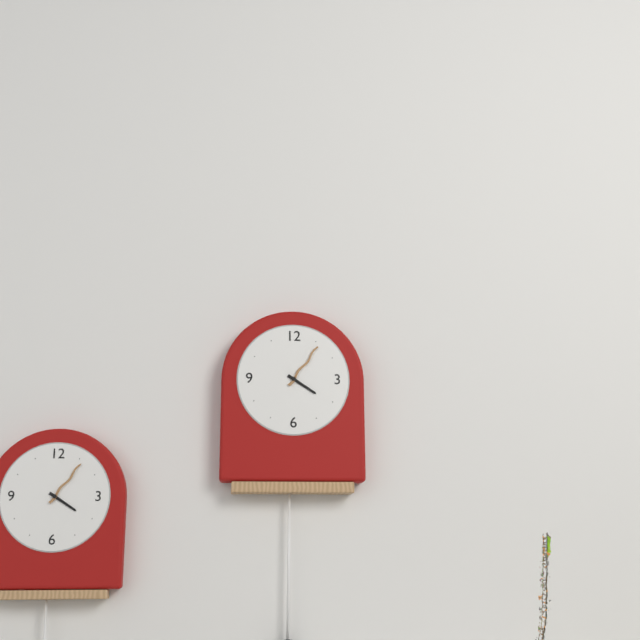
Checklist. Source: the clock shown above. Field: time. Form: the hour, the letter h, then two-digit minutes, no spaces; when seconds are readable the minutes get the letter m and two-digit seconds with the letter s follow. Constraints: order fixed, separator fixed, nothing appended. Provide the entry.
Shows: 4h06
